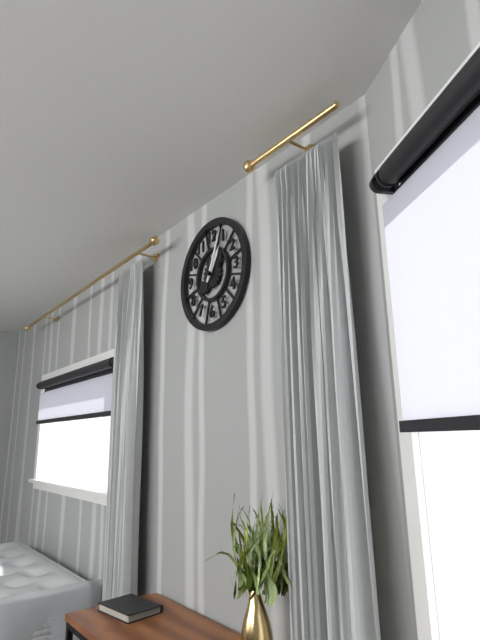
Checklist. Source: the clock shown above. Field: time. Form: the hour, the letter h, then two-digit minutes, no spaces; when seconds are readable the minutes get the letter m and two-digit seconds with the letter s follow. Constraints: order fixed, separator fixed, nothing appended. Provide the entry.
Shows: 1h04
